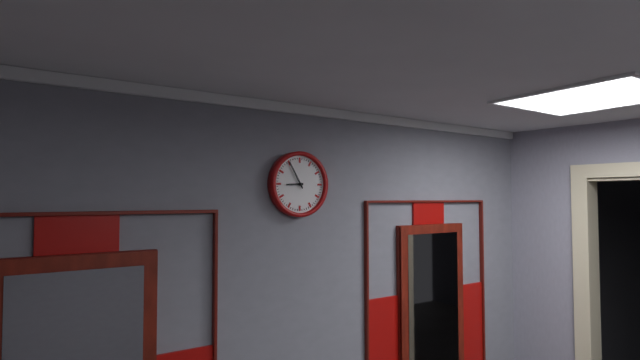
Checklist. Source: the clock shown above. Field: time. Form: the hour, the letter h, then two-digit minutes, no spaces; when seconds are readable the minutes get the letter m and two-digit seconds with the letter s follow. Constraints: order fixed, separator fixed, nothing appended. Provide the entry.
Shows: 8h55
